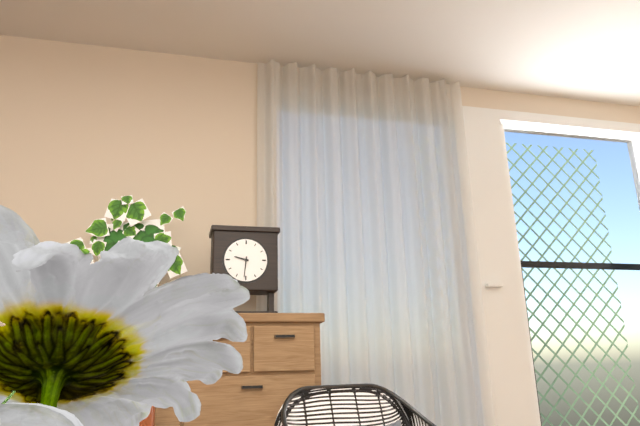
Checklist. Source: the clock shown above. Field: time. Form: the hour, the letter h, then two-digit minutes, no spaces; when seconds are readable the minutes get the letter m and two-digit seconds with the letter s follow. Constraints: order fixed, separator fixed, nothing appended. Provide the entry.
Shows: 9h31
